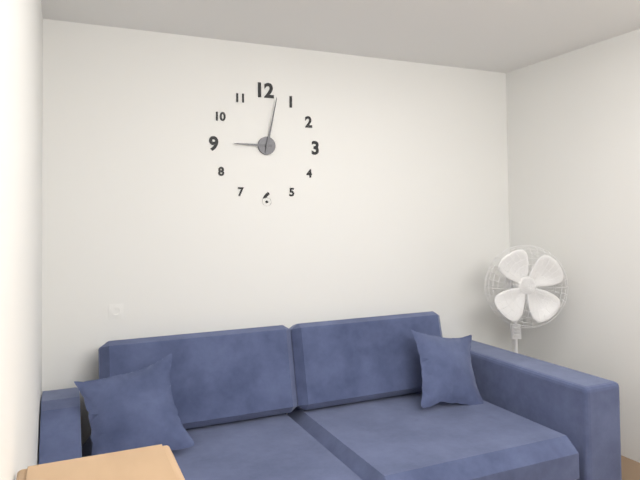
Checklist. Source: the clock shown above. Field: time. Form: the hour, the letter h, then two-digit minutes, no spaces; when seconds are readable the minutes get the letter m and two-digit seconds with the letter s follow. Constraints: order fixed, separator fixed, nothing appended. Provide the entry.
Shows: 9h02
